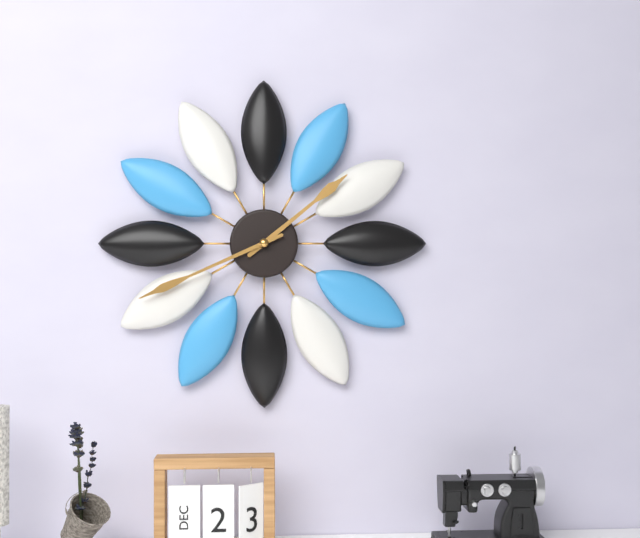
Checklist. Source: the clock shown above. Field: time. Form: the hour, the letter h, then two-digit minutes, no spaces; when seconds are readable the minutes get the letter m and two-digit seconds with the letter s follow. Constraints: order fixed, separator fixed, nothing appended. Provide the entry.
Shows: 1h41
